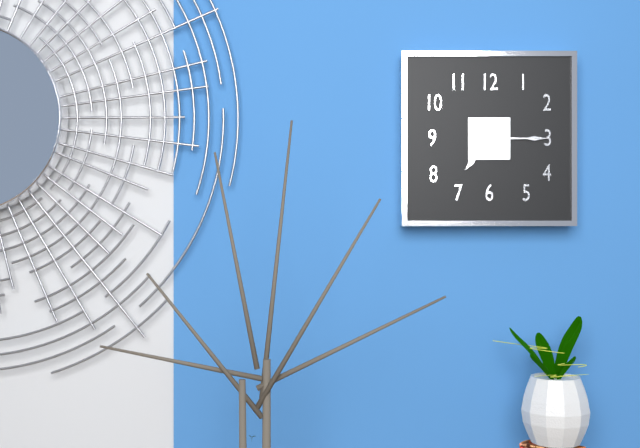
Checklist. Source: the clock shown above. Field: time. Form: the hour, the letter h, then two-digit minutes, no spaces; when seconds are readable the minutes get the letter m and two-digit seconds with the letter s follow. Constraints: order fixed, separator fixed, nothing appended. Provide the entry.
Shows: 7h15
